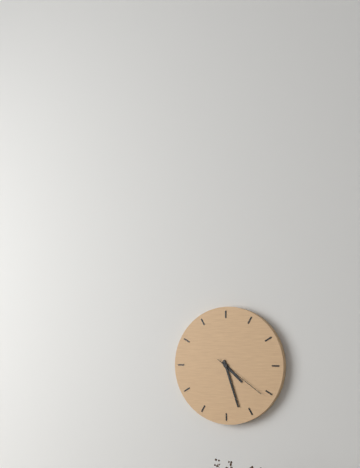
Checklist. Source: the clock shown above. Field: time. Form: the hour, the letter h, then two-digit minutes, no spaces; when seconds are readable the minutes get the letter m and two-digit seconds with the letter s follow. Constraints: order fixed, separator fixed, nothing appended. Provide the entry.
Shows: 4h27m21s
